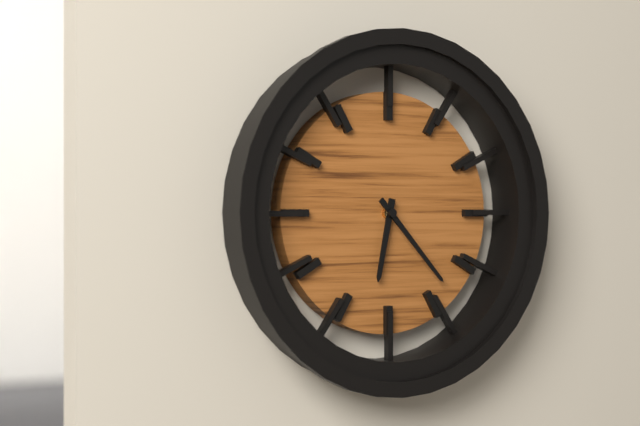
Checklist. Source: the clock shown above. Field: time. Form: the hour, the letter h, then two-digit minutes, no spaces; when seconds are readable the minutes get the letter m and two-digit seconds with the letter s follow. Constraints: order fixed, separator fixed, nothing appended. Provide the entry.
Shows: 6h23
